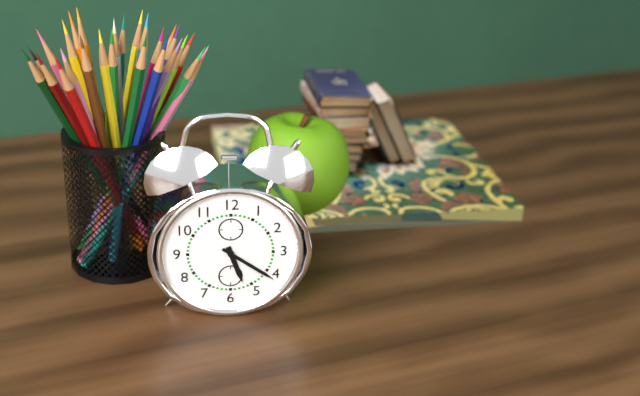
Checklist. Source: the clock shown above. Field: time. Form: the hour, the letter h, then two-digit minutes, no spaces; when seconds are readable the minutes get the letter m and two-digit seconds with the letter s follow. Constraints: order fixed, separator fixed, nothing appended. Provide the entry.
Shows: 5h21
